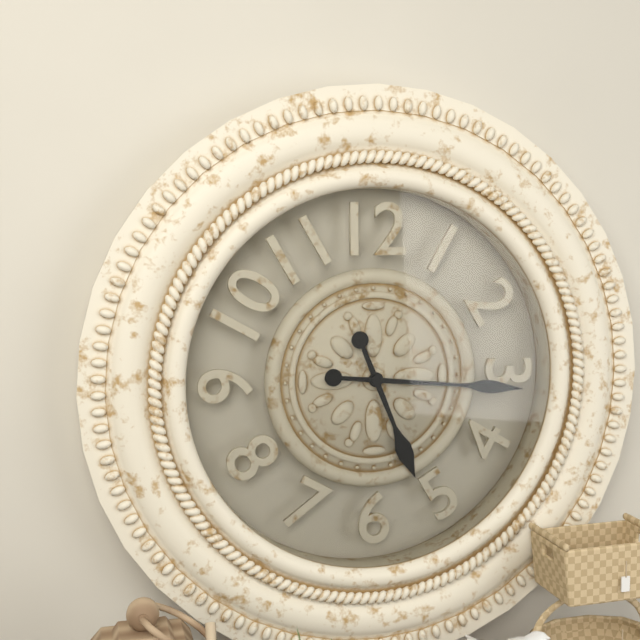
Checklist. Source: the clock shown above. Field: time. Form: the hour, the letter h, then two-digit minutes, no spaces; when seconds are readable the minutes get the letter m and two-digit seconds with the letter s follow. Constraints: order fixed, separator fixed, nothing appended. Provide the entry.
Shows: 5h16
